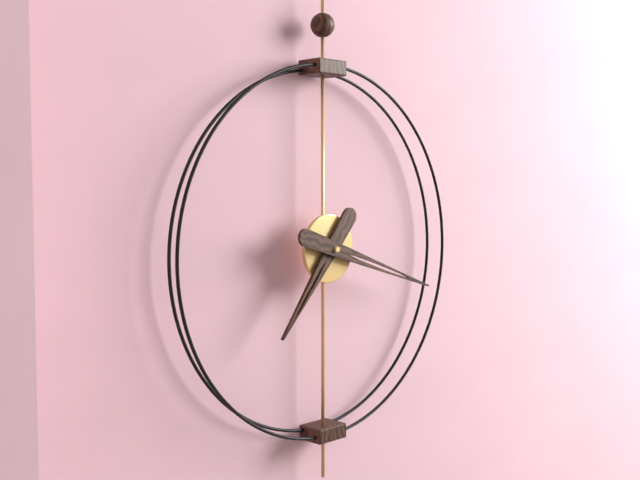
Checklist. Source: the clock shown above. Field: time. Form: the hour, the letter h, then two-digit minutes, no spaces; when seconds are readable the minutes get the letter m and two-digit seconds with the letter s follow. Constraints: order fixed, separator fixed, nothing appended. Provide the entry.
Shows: 7h18
